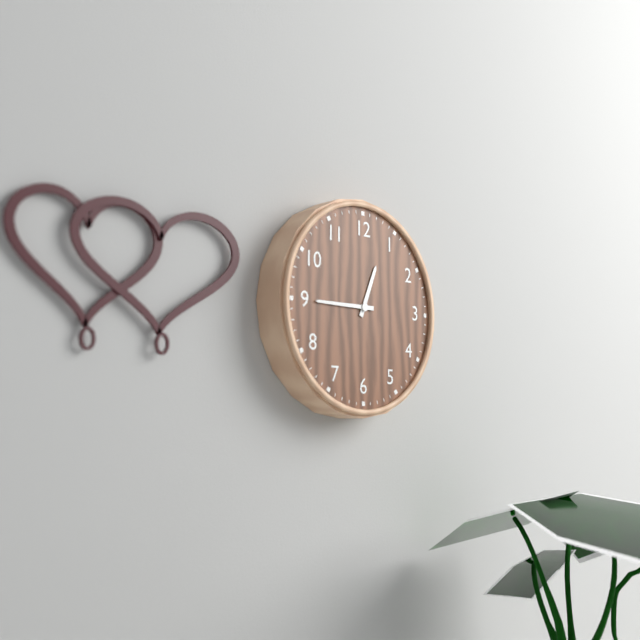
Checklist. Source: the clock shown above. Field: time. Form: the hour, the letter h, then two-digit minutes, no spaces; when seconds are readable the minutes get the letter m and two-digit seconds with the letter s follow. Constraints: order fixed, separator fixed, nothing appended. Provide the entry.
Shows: 12h45
